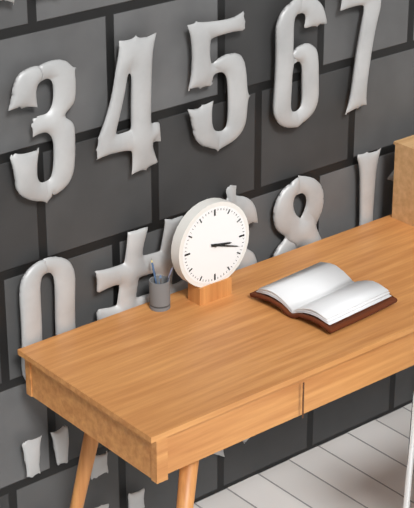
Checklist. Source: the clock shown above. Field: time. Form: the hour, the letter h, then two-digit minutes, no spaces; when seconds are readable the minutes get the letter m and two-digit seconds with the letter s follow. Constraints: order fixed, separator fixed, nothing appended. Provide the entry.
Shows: 3h18
